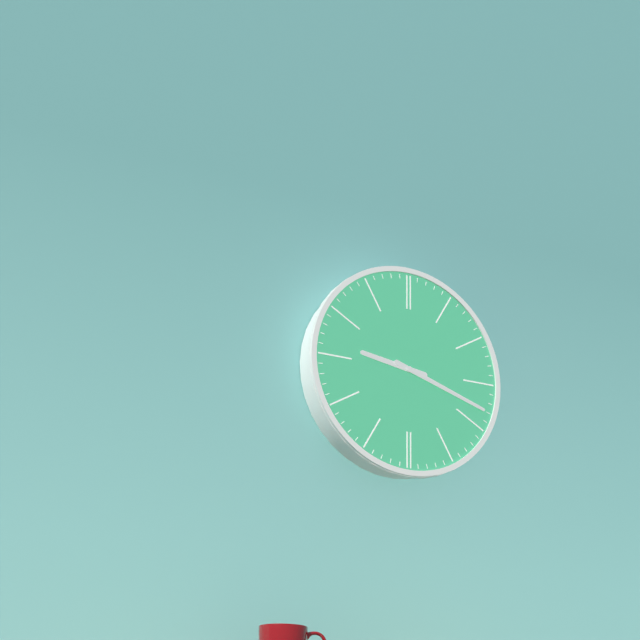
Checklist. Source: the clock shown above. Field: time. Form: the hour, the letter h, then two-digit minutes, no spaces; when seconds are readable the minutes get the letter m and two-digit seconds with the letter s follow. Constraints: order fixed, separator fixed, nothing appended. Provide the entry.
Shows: 9h18
